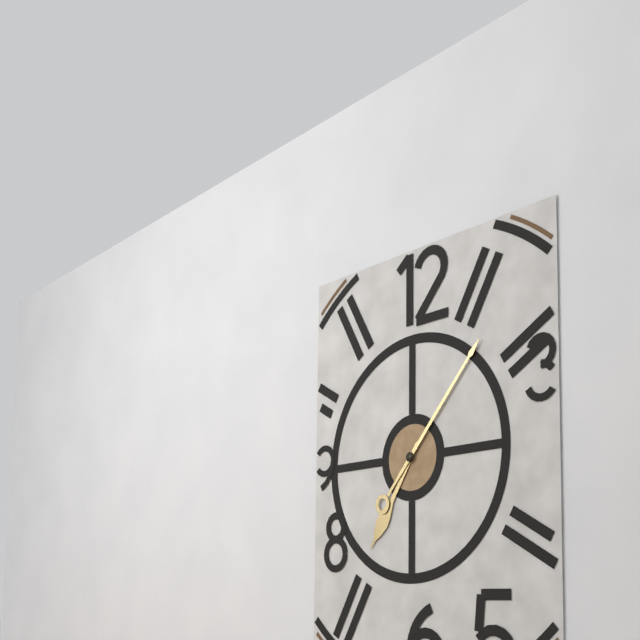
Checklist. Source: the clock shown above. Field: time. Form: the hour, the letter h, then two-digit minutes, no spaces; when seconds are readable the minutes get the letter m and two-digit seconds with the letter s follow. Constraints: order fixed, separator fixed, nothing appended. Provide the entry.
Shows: 7h07
